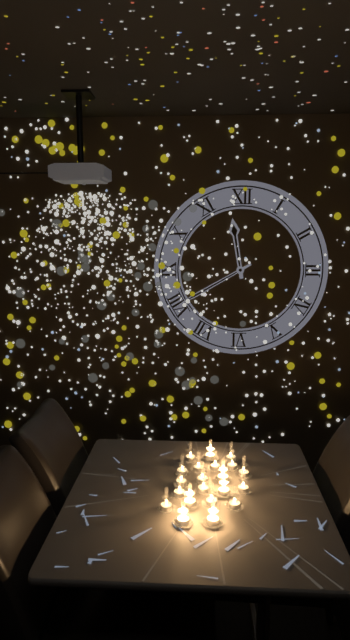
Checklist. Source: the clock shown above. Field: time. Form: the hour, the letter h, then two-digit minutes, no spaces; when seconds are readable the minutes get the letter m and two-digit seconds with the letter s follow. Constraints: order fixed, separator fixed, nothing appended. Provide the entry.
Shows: 11h40
